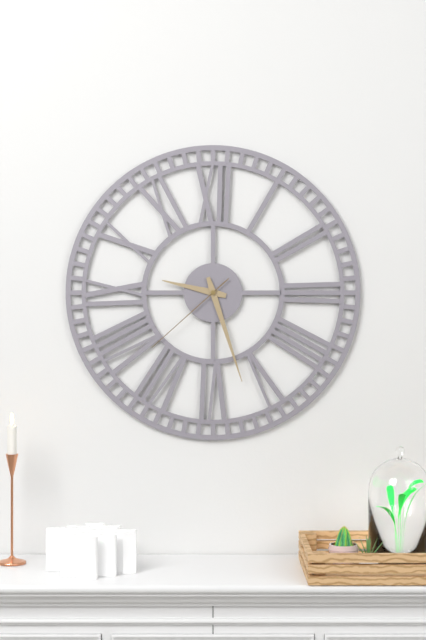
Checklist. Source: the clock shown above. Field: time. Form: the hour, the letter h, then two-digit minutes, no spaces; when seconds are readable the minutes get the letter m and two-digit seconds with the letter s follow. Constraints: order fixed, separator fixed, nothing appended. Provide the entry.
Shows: 9h27m38s
